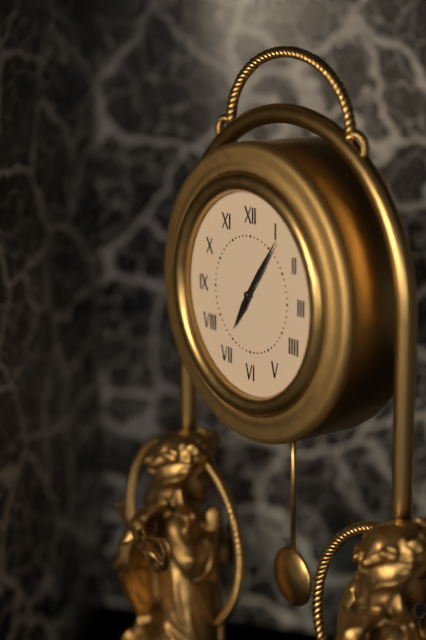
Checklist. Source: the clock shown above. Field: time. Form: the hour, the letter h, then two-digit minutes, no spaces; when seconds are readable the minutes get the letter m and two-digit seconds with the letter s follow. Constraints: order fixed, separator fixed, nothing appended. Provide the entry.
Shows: 7h06
